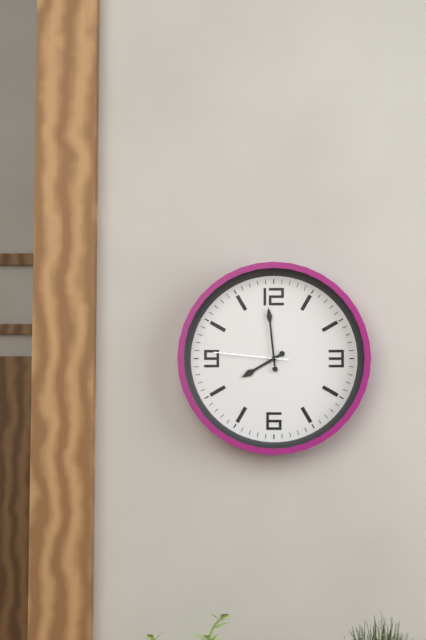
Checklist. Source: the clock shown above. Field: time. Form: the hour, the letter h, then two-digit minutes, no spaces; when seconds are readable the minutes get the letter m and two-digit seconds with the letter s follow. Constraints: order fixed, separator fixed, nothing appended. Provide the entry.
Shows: 7h59m46s
